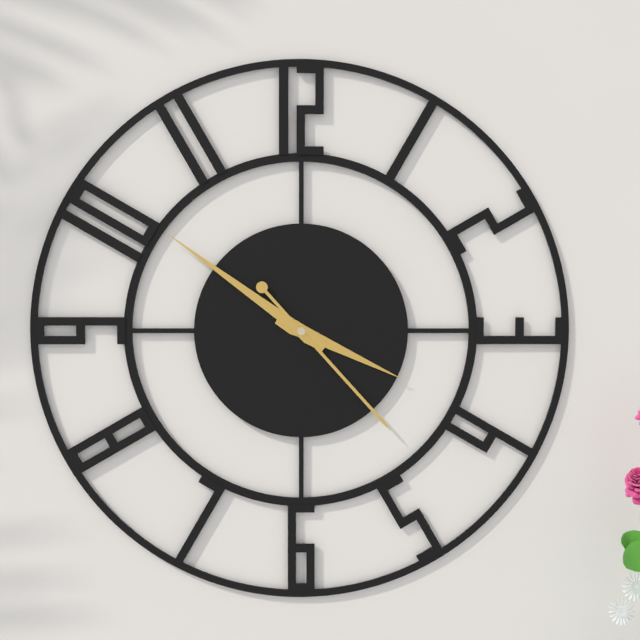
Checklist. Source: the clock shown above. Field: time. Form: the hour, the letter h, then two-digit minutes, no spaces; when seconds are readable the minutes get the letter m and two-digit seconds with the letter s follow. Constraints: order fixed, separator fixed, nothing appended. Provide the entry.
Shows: 3h51m23s
